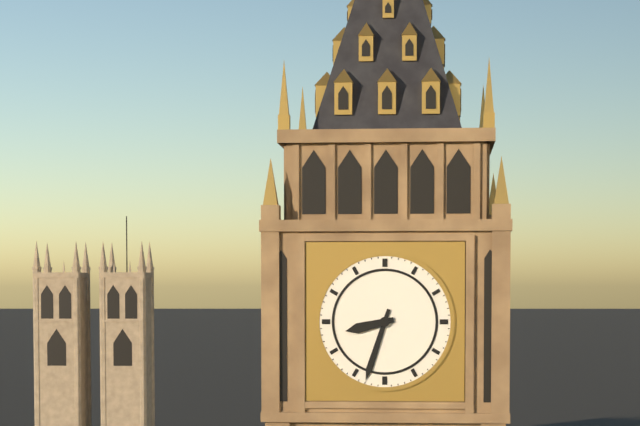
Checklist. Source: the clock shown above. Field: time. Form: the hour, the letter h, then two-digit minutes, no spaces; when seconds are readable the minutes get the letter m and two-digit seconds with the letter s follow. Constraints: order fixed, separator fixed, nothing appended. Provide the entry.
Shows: 8h33
